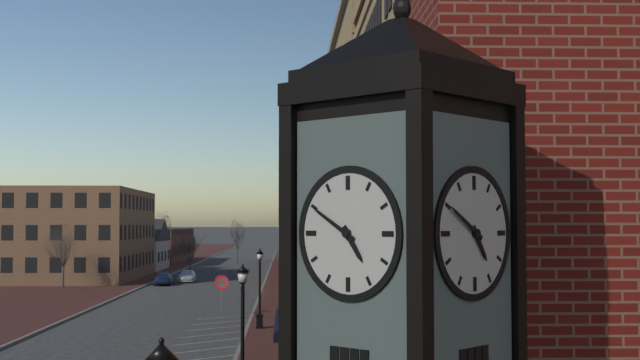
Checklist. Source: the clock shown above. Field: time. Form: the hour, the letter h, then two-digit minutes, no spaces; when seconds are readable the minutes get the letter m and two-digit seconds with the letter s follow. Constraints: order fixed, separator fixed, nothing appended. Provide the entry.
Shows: 4h50
